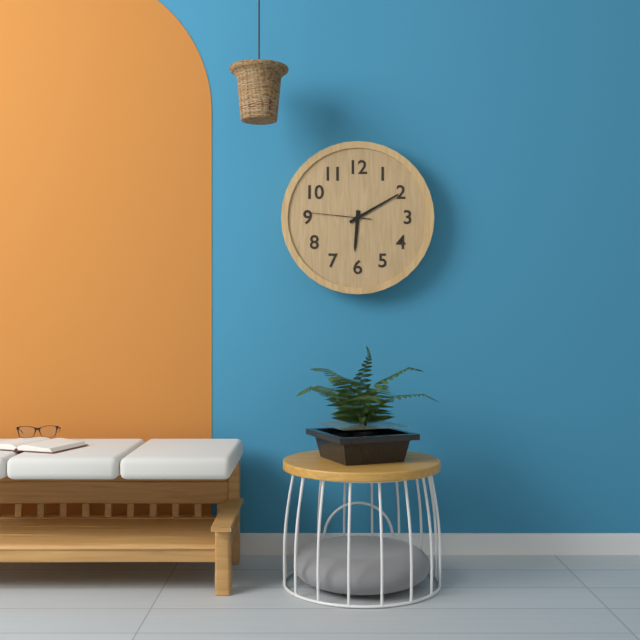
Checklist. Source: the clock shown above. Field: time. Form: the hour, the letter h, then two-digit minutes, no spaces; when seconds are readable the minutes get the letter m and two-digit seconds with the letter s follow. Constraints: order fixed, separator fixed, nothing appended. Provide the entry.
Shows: 6h10m46s
